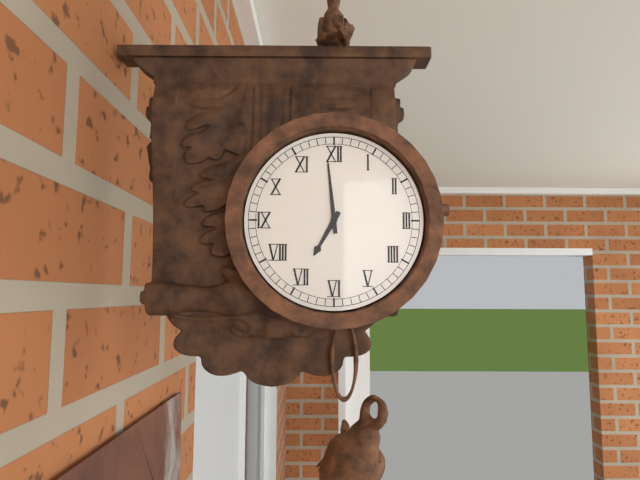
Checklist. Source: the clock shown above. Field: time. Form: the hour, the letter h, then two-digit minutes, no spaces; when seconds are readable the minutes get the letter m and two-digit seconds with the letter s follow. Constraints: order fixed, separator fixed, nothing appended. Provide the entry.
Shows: 6h59
